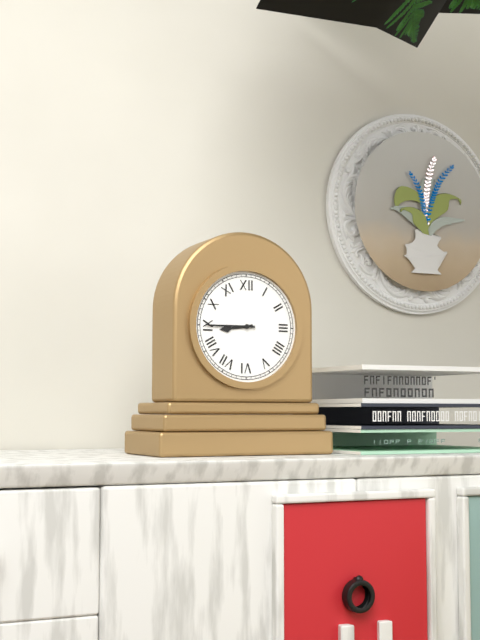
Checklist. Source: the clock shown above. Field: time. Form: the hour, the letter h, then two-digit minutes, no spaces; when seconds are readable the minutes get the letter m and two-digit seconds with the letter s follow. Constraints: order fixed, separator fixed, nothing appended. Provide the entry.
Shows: 8h45
